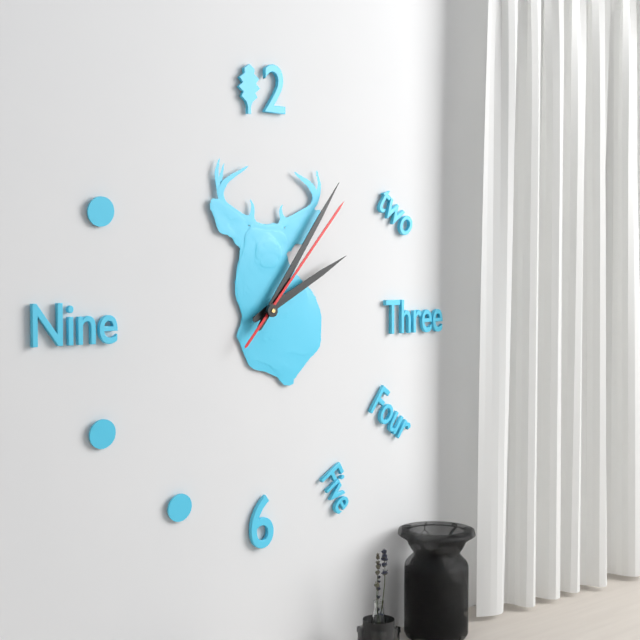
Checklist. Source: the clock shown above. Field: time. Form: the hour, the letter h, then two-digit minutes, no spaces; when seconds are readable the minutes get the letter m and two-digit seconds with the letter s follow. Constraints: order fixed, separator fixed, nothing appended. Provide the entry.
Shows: 2h06m07s
